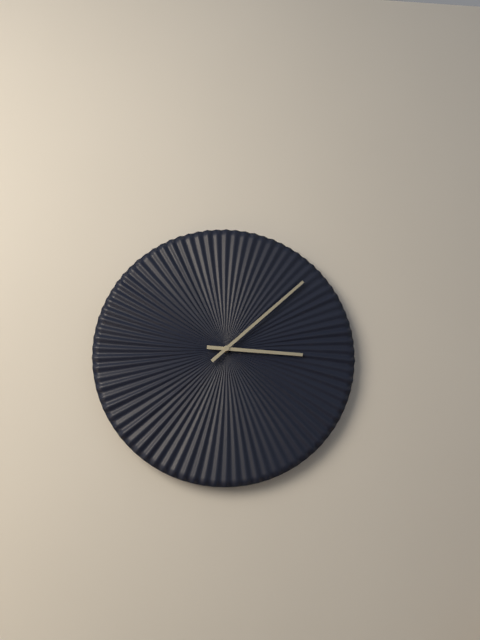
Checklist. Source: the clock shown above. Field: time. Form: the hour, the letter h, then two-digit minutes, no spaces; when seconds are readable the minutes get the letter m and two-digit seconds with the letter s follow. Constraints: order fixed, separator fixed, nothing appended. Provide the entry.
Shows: 3h08
